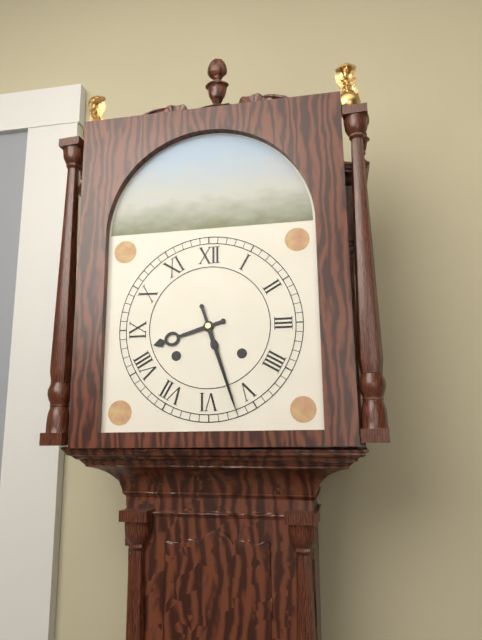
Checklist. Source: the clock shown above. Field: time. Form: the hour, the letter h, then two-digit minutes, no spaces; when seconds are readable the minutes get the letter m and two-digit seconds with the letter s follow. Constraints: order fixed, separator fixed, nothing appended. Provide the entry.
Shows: 8h27
